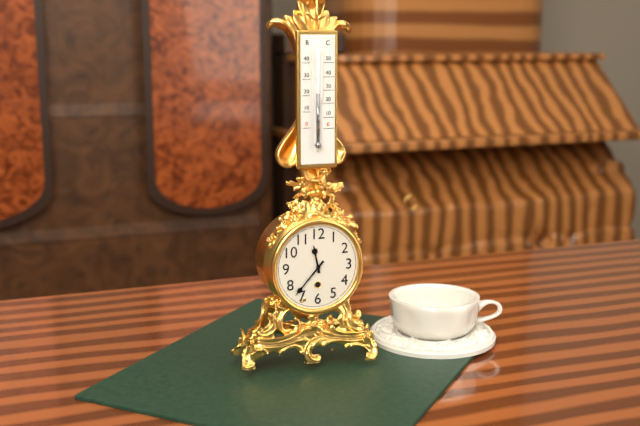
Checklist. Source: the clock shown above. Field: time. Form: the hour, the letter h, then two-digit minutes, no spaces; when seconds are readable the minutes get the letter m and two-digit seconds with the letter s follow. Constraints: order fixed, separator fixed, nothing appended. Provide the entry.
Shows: 11h37
